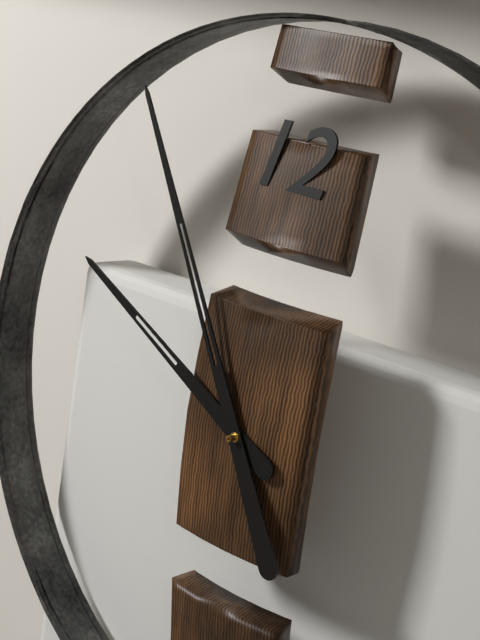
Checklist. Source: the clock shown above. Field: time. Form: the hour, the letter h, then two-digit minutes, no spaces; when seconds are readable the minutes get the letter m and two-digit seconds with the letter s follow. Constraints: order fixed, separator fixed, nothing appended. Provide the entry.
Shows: 9h55
